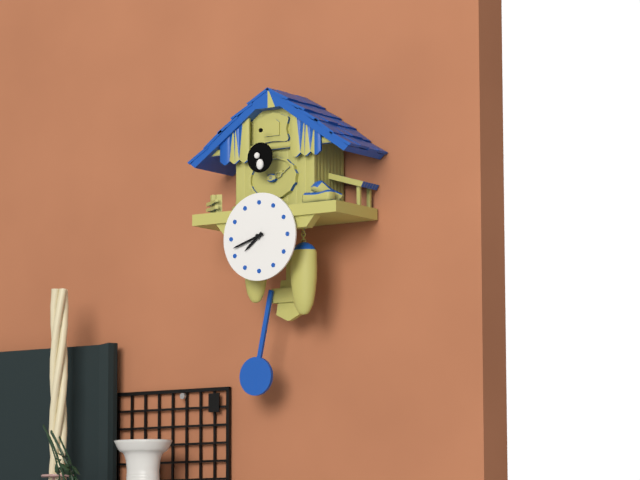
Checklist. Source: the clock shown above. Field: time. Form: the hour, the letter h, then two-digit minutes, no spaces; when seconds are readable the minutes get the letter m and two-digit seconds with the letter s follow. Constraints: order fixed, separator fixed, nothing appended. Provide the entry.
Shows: 7h42
